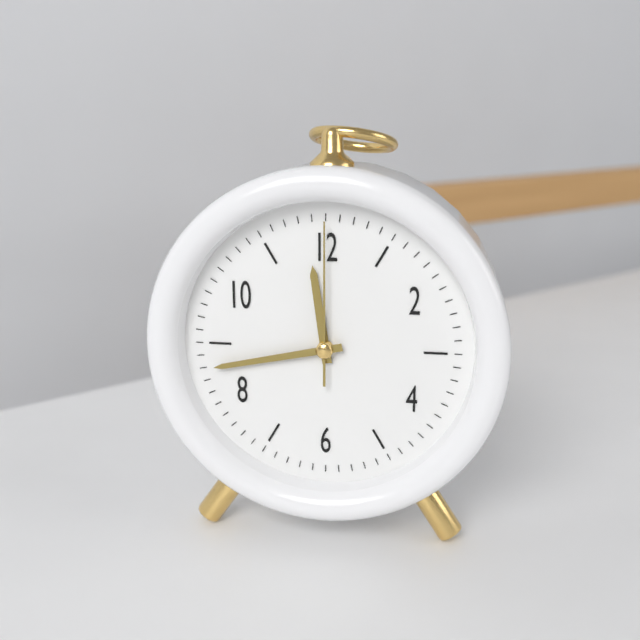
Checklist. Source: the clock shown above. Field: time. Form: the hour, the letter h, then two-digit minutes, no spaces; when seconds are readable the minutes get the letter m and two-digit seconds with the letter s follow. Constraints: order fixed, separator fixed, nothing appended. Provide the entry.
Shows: 11h43m00s
